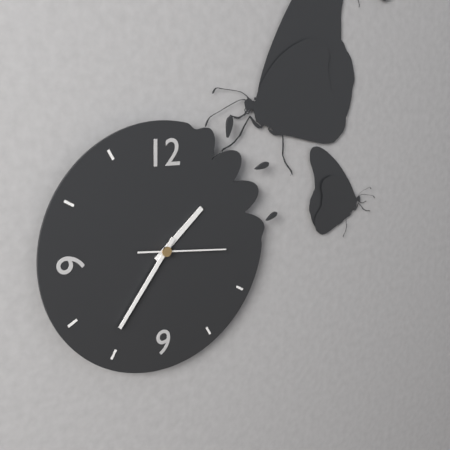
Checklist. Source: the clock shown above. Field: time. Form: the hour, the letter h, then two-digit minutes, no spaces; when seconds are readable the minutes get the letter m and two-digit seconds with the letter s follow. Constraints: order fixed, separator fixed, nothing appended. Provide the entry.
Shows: 1h36m16s
